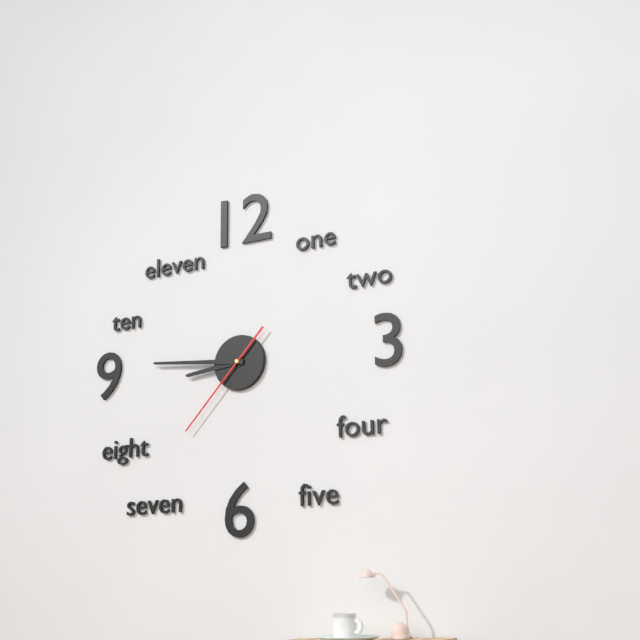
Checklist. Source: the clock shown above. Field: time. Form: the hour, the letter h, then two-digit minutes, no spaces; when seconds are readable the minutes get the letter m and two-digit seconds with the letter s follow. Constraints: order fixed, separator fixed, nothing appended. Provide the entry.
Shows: 8h46m37s
